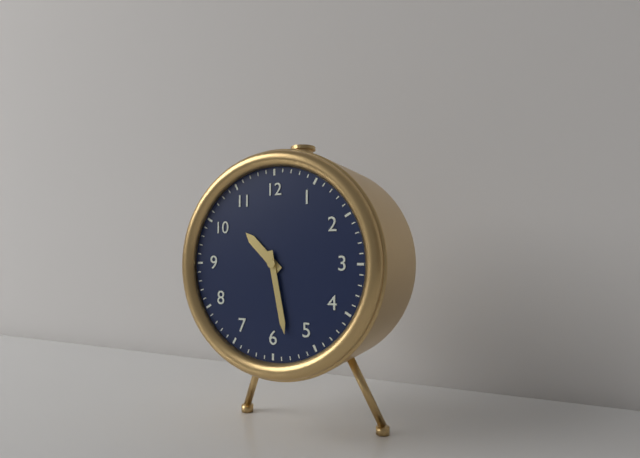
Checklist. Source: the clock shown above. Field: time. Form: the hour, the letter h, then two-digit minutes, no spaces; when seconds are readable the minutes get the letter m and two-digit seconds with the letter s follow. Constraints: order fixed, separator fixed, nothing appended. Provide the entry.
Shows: 10h28
